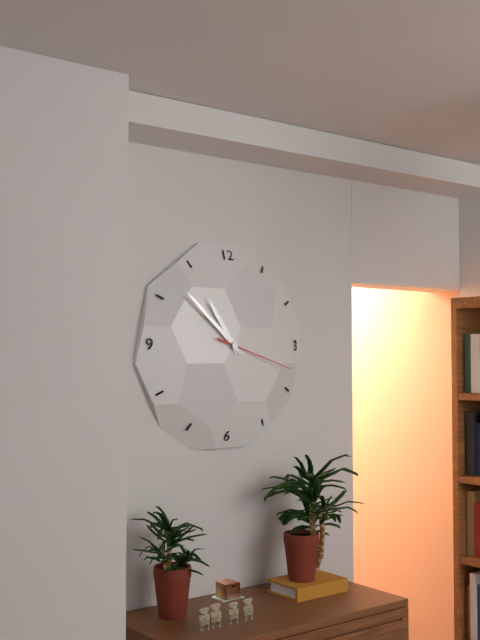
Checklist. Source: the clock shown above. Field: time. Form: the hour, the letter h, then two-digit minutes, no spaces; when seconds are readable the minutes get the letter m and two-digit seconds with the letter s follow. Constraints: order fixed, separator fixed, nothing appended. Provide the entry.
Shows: 10h52m18s
